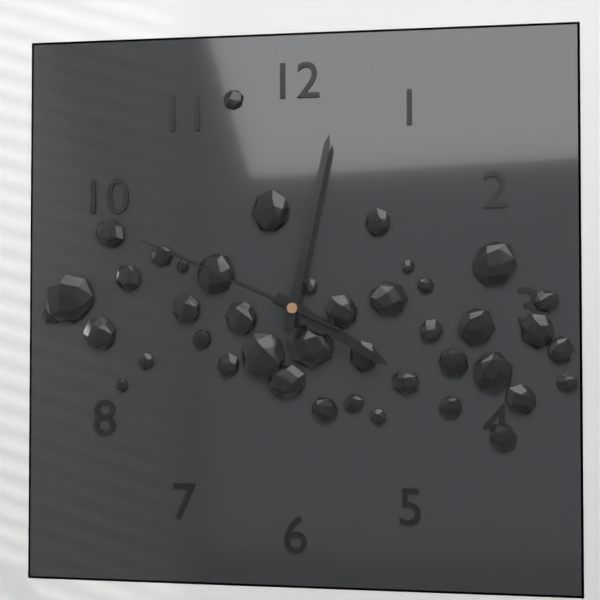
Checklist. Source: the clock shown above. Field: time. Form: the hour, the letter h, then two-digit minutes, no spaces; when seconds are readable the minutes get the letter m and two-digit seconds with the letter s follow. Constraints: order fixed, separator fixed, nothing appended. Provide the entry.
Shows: 4h02m49s
